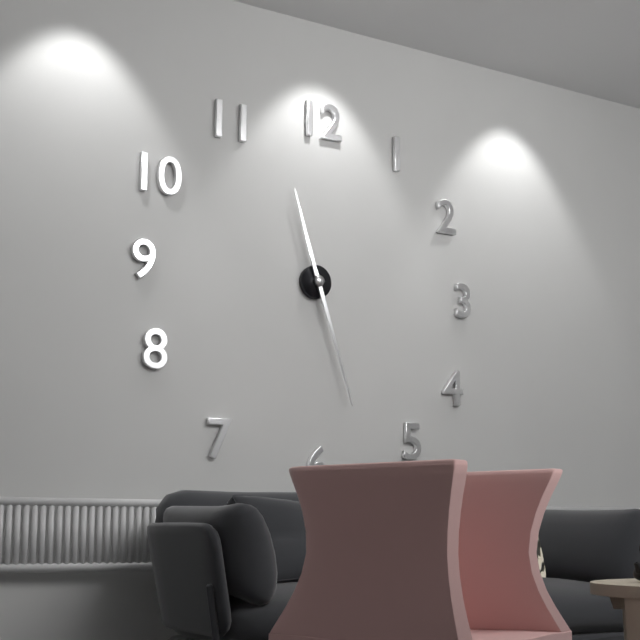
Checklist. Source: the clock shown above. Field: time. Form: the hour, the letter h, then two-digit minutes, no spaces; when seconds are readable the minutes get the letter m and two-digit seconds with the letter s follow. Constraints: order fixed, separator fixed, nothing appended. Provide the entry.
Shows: 11h27
